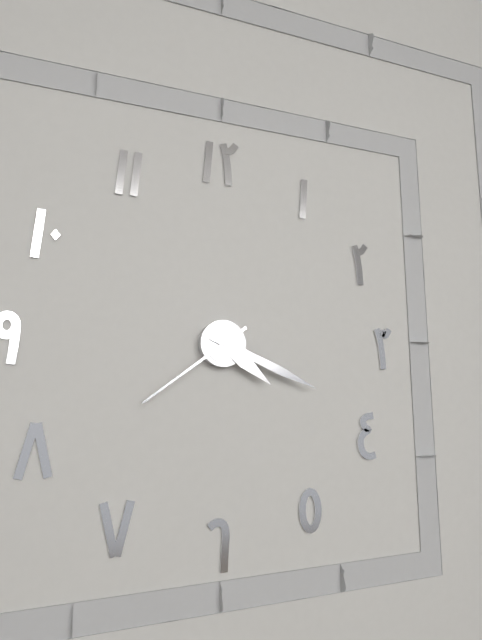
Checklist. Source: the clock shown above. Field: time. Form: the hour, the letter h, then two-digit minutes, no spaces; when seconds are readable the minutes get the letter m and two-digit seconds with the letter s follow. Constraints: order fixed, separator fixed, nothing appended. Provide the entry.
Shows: 4h19m39s
